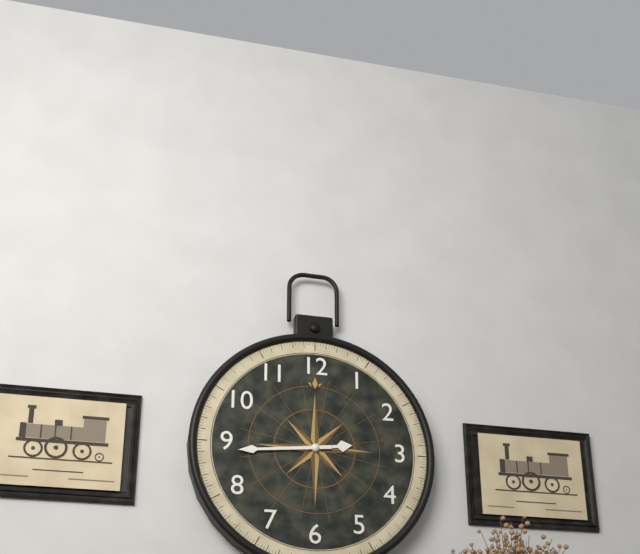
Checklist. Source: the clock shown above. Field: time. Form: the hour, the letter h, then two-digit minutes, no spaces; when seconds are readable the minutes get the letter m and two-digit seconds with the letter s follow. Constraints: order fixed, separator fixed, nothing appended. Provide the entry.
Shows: 2h44
